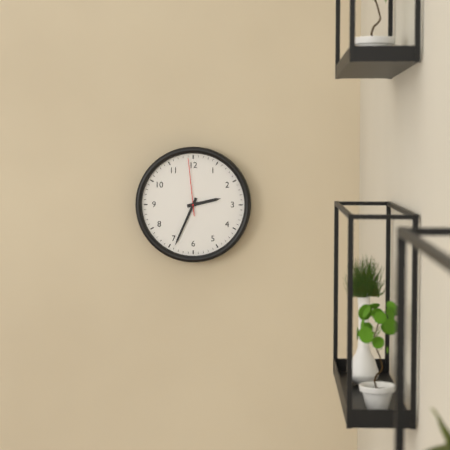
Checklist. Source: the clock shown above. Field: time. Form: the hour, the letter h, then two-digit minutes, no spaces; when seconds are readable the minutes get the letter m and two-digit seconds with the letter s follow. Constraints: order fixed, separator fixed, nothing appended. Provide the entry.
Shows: 2h34m59s
